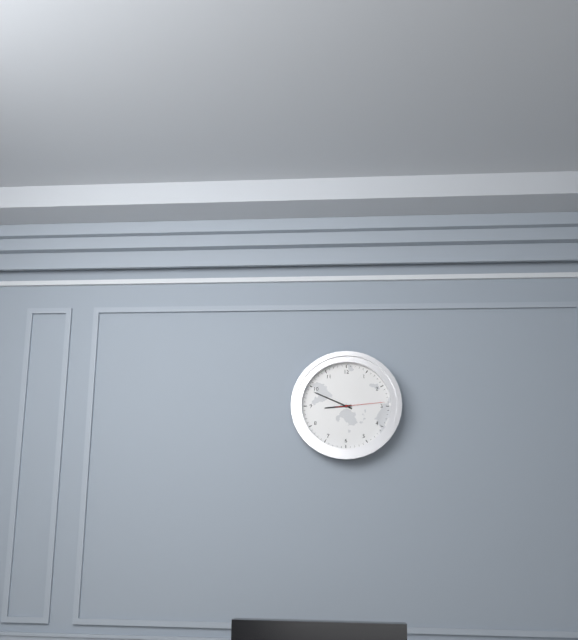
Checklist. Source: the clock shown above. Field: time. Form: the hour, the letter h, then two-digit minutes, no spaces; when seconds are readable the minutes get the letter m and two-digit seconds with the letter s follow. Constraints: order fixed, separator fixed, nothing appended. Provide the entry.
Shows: 8h49
